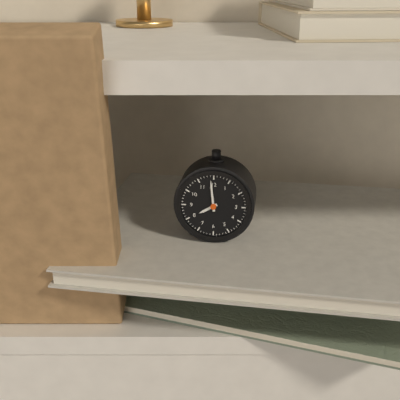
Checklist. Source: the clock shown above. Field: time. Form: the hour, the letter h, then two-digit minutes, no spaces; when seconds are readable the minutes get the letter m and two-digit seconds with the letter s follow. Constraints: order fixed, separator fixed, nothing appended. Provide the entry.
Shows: 7h59
